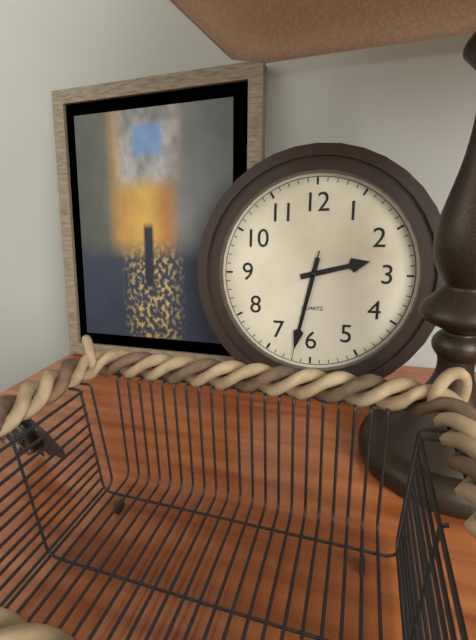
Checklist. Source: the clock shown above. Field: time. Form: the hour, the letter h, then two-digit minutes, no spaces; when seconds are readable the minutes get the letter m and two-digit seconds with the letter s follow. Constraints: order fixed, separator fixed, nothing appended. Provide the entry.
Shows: 2h32m32s
